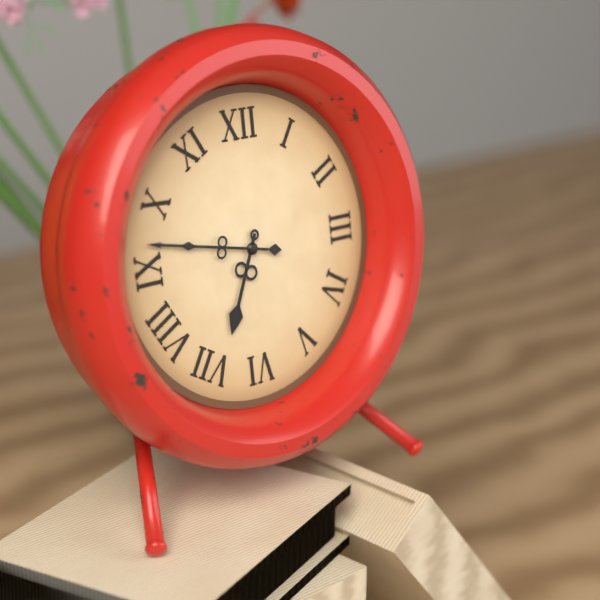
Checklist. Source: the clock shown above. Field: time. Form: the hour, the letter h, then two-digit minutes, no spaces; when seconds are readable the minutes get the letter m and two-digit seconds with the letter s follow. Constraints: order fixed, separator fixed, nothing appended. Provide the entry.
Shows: 6h47
